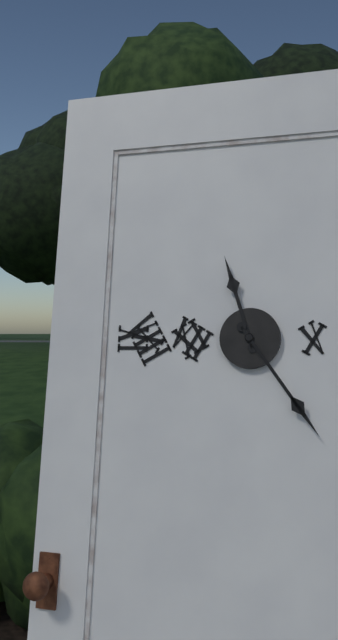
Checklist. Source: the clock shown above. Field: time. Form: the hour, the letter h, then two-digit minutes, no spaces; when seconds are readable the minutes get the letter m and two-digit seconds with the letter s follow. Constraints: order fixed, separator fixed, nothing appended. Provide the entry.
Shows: 11h24
